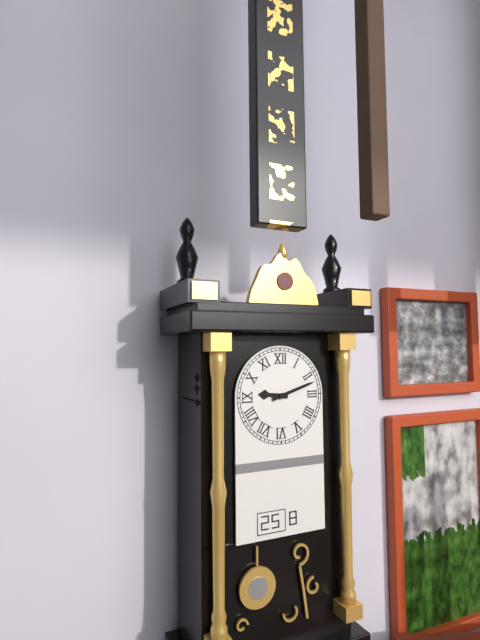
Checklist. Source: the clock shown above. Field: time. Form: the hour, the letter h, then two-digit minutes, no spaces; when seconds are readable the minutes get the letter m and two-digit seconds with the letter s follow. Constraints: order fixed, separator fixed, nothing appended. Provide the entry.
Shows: 9h12
